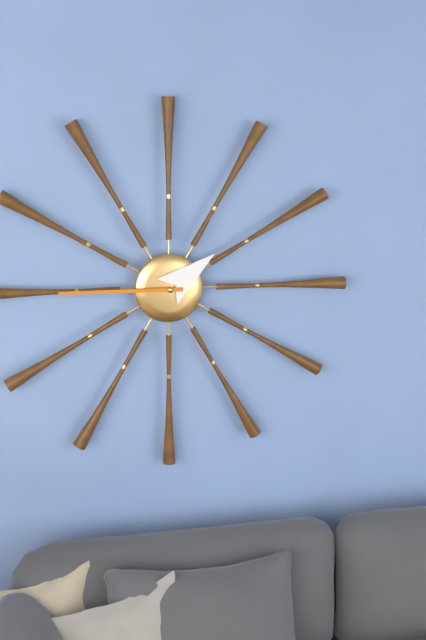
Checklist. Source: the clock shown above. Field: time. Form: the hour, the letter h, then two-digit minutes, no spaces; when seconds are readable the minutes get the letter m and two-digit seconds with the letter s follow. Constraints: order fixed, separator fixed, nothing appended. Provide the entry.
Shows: 1h45
